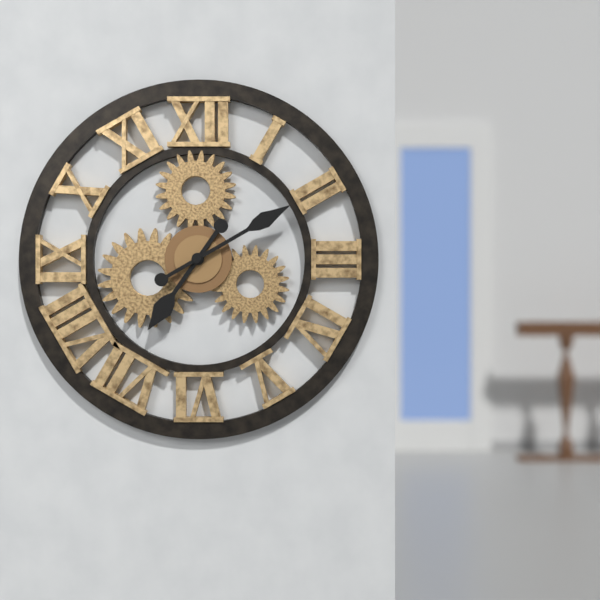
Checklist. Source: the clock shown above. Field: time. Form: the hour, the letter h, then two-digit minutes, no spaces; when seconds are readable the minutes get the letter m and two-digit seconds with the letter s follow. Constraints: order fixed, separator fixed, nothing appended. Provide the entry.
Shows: 7h10
